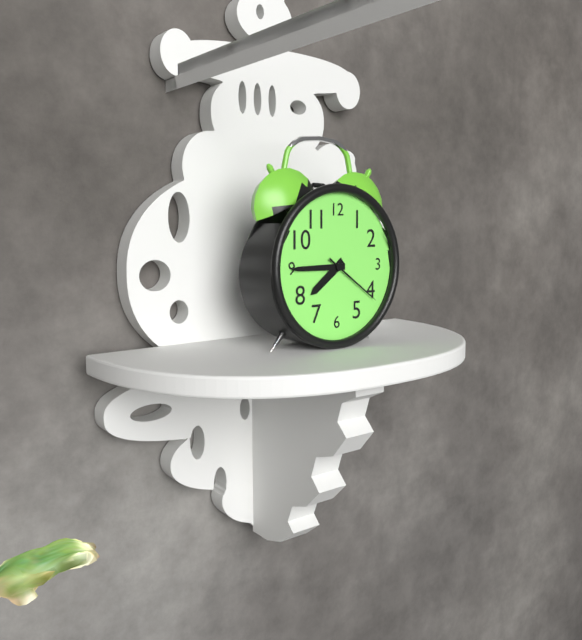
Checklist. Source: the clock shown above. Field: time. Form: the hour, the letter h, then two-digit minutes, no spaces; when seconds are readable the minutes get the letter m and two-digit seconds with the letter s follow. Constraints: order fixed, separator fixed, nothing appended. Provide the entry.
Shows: 7h45m21s
